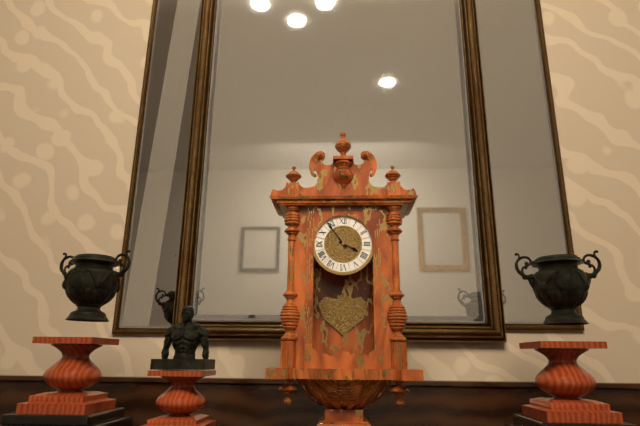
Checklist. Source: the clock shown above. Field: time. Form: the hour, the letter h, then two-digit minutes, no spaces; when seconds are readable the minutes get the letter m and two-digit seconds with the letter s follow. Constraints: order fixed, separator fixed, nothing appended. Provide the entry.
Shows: 3h54
